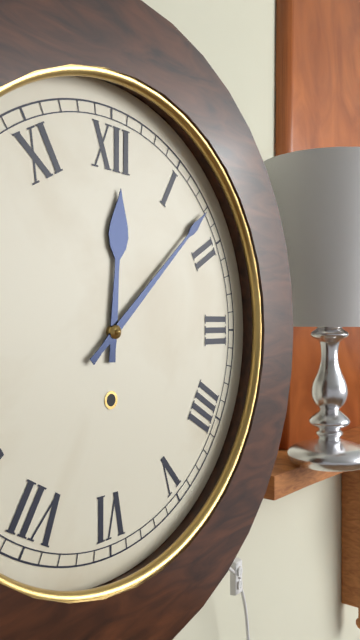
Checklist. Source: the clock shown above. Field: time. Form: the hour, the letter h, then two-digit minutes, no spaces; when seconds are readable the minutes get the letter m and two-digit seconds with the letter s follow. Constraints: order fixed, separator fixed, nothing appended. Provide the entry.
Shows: 12h08
